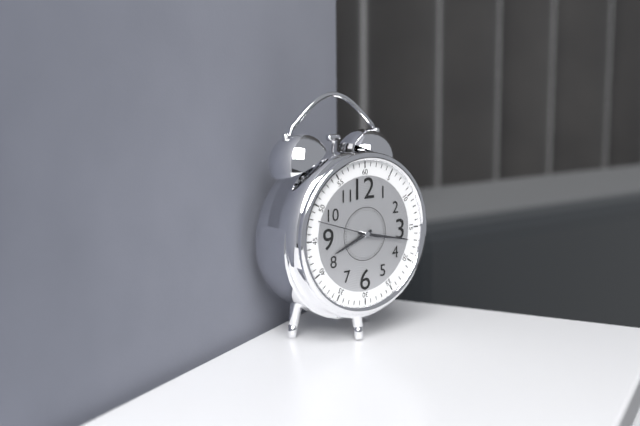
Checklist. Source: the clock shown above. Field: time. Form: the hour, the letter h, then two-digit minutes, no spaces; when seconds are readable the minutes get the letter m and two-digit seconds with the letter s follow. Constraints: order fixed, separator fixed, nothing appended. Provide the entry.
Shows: 8h17m48s
